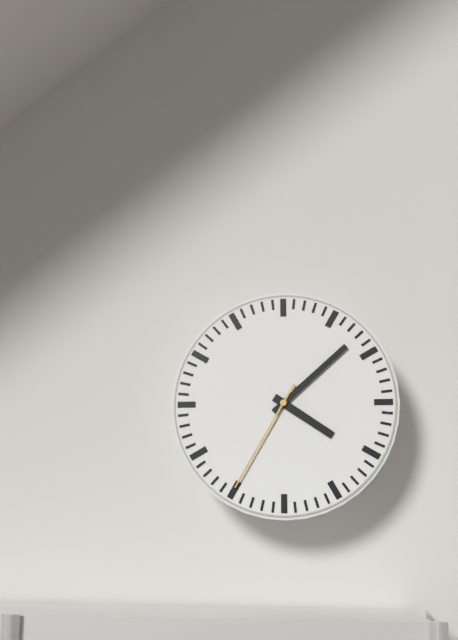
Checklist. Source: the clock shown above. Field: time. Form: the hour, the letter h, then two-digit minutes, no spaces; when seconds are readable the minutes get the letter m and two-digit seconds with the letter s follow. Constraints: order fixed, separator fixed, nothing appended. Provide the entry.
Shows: 4h08m35s
